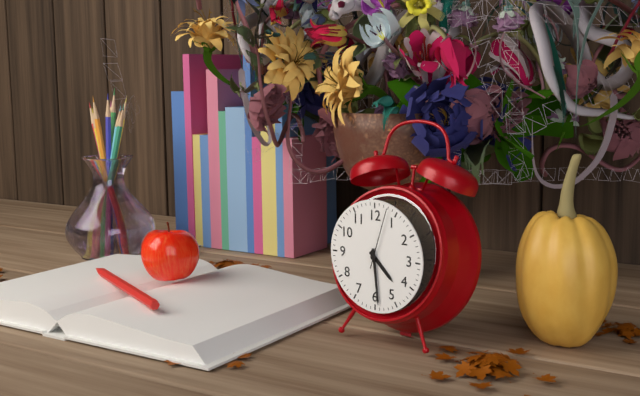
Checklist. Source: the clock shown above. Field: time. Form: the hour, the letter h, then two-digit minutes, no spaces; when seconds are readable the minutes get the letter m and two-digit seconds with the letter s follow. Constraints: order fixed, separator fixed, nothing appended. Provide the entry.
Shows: 4h29m03s
